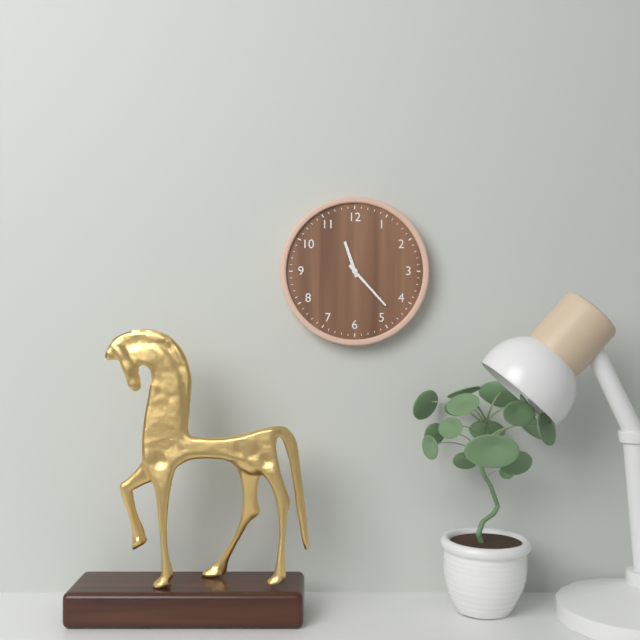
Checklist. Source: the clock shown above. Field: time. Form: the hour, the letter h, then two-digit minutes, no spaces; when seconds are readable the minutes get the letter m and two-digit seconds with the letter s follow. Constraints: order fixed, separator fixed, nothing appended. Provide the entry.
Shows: 11h23
